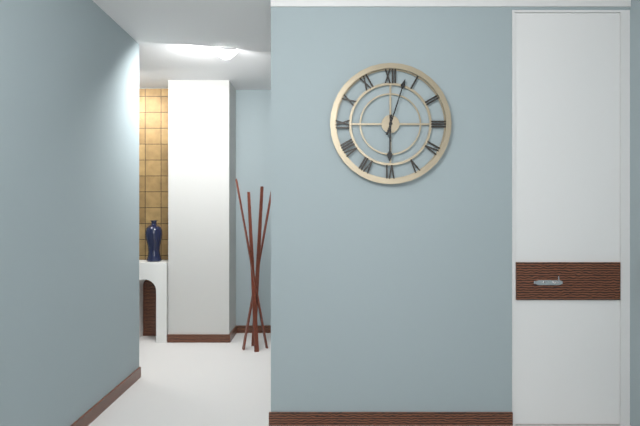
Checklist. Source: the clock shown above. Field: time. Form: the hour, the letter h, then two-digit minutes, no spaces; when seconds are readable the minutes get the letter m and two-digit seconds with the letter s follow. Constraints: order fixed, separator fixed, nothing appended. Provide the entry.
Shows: 6h03
